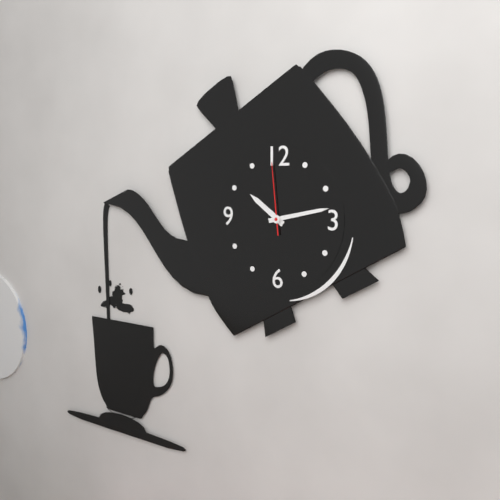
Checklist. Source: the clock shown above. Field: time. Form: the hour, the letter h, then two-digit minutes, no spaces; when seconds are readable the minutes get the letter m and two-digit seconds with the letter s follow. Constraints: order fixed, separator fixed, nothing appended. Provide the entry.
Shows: 10h13m59s
